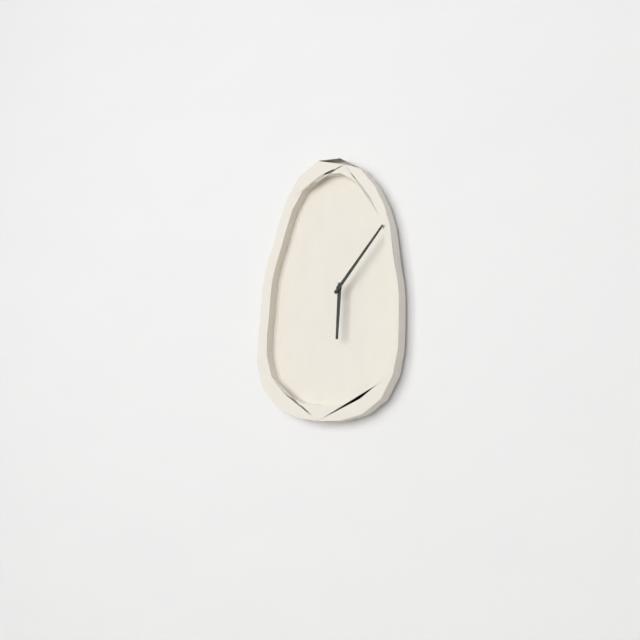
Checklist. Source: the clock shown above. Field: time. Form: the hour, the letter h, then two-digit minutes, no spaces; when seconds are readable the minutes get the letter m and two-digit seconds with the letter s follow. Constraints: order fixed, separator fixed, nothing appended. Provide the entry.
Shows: 6h07
